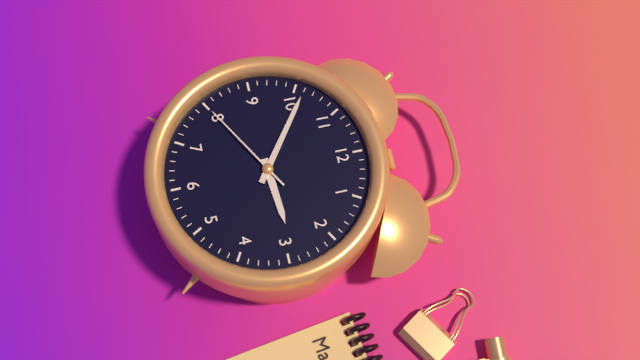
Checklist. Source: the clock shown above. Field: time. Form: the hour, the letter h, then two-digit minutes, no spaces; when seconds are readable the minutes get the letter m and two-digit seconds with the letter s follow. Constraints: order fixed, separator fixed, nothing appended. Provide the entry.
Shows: 2h51m40s
